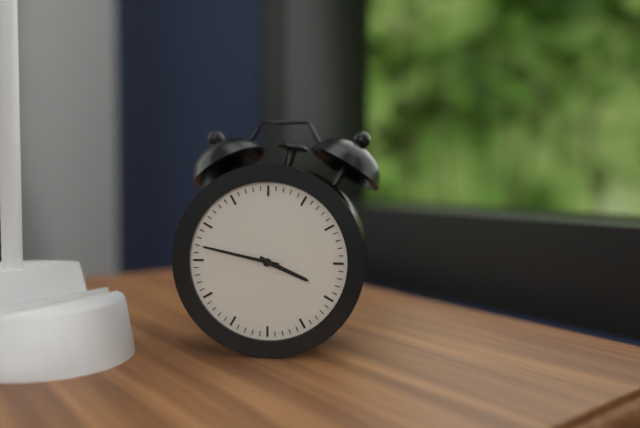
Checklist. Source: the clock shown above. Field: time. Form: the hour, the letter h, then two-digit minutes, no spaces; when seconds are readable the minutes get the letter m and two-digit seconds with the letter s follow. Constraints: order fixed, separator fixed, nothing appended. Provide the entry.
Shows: 3h47
